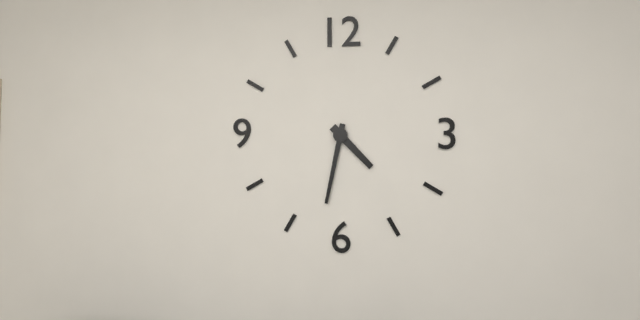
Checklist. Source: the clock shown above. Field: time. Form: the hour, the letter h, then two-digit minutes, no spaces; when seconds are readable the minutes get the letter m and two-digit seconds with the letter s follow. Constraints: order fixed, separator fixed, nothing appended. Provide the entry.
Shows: 4h32
